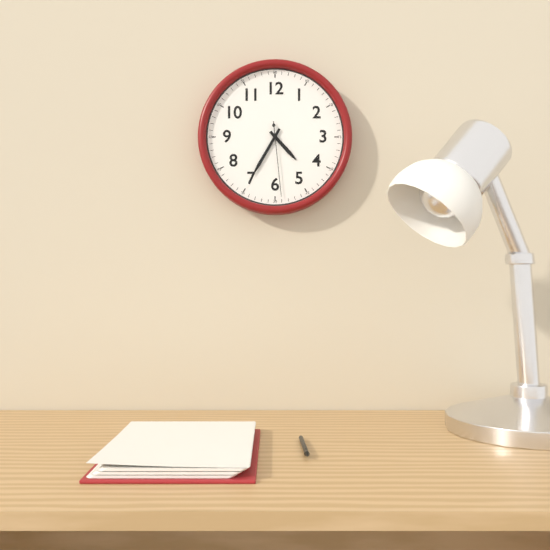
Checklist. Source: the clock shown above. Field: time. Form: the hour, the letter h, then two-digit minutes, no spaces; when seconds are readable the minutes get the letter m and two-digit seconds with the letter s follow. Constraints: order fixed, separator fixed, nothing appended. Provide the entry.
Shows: 4h35m29s
